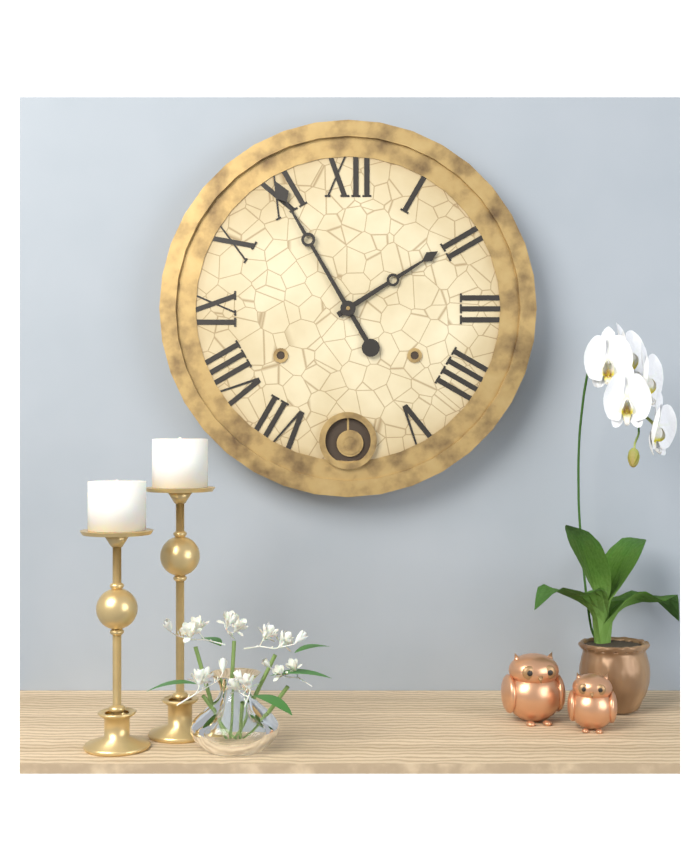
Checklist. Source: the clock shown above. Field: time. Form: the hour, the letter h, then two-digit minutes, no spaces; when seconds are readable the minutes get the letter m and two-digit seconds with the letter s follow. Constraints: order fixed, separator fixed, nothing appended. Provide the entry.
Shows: 1h55
